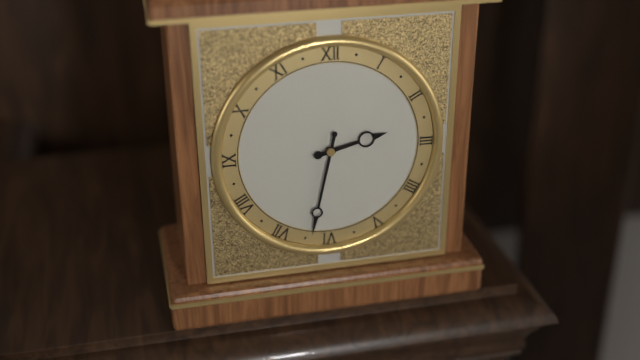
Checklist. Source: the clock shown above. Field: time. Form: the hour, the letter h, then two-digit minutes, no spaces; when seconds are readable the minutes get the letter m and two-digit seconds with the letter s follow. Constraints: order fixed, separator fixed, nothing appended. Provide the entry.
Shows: 2h32
